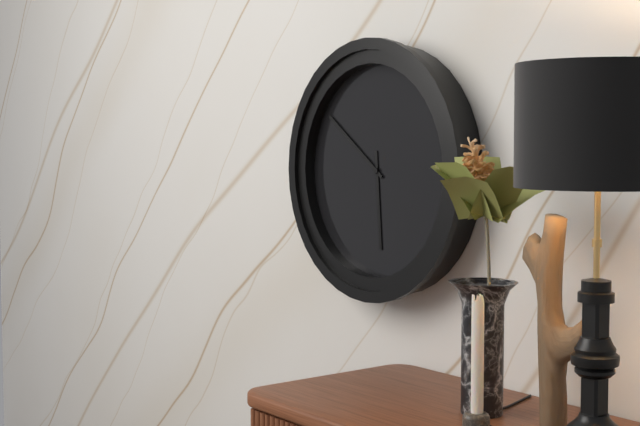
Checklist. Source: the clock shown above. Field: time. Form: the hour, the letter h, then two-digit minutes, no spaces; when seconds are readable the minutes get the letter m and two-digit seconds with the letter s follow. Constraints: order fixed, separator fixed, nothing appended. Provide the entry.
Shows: 5h51
